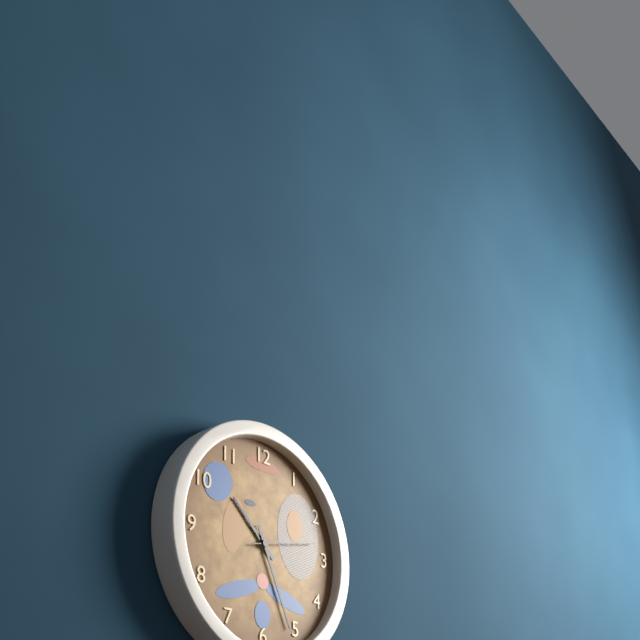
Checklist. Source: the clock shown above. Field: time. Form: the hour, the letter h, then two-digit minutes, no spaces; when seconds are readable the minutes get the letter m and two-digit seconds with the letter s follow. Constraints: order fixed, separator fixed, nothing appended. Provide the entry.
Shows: 10h26m13s
